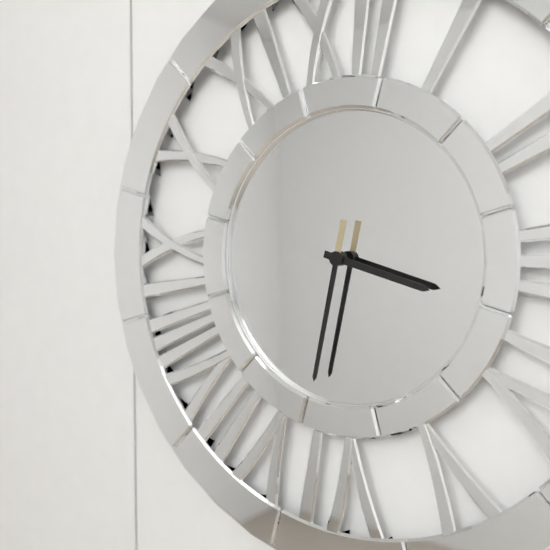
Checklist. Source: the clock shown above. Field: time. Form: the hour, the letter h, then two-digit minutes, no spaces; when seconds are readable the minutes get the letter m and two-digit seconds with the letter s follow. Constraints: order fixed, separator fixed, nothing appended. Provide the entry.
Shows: 3h32
